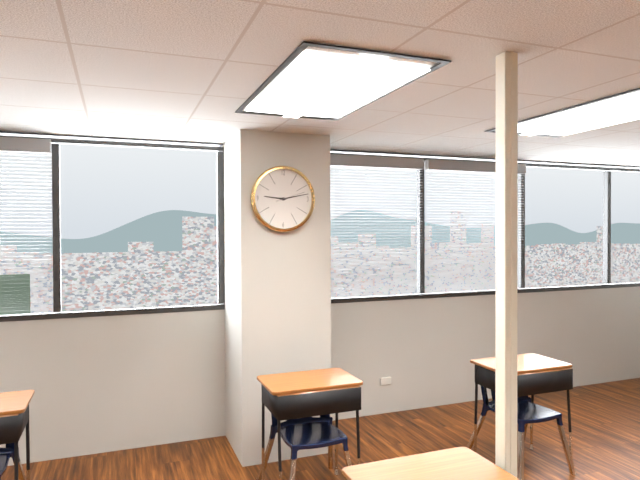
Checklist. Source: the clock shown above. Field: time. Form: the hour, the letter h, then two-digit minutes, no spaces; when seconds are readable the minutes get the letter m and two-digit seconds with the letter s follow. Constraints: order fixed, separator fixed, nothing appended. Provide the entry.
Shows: 9h13
